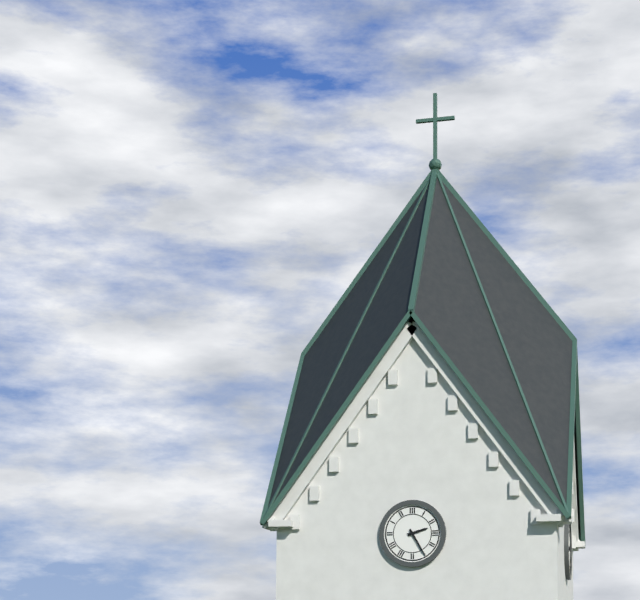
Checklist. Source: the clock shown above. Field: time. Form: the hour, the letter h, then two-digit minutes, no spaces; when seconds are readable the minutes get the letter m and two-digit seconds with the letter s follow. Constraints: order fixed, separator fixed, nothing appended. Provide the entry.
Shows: 2h25
